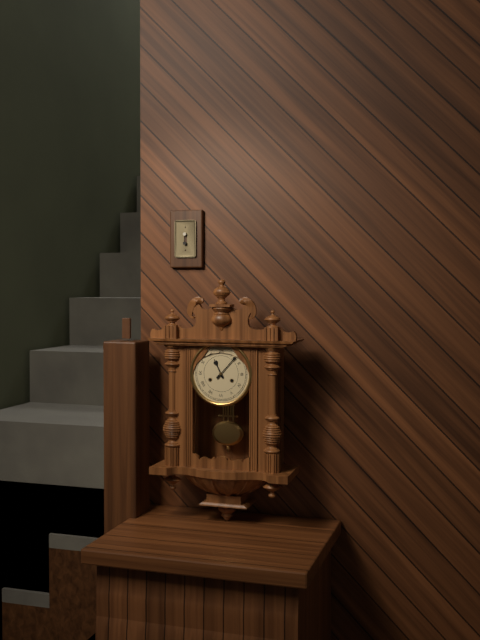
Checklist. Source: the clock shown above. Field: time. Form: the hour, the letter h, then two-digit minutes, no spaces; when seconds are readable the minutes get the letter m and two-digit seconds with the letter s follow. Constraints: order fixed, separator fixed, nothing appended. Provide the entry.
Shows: 11h07
